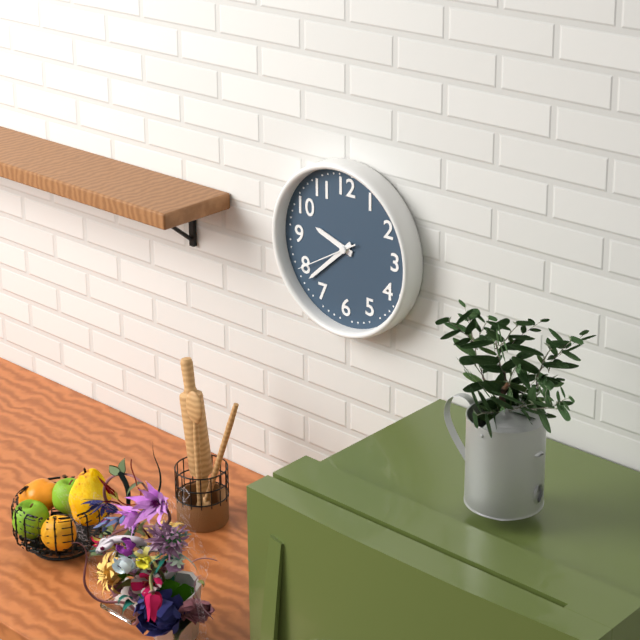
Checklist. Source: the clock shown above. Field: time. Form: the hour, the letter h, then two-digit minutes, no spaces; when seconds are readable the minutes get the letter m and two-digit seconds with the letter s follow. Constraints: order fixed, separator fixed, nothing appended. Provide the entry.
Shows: 9h38m40s
